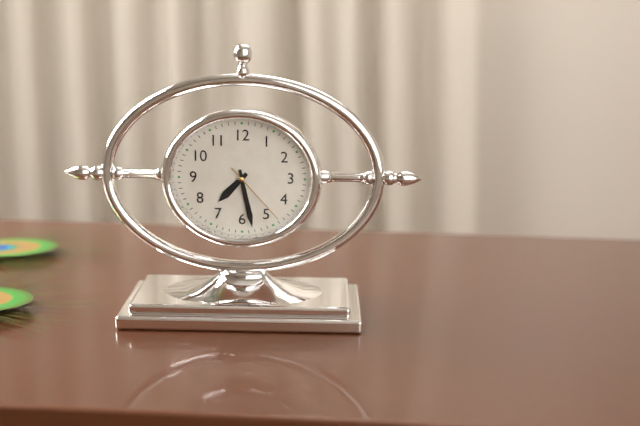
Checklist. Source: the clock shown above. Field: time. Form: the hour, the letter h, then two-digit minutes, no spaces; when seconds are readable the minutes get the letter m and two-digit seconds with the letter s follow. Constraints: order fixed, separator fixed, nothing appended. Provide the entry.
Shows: 7h28m23s
